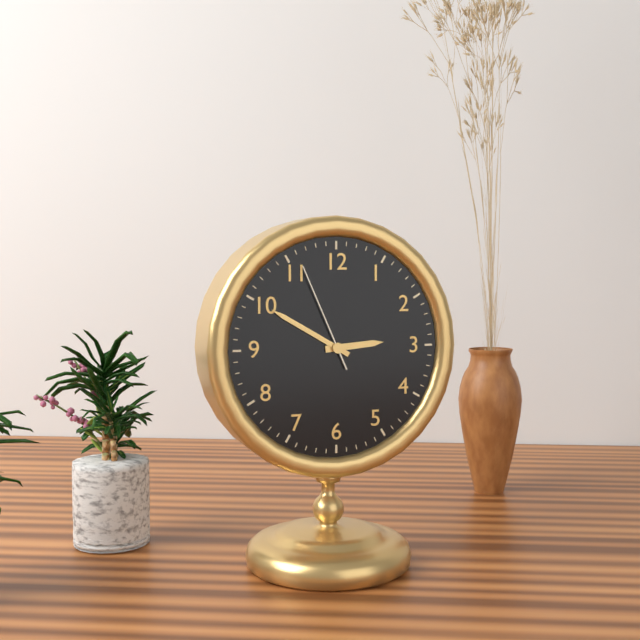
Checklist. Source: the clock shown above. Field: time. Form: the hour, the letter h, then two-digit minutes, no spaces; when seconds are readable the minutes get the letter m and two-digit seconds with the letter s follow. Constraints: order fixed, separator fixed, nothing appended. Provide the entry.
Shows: 2h50m56s
